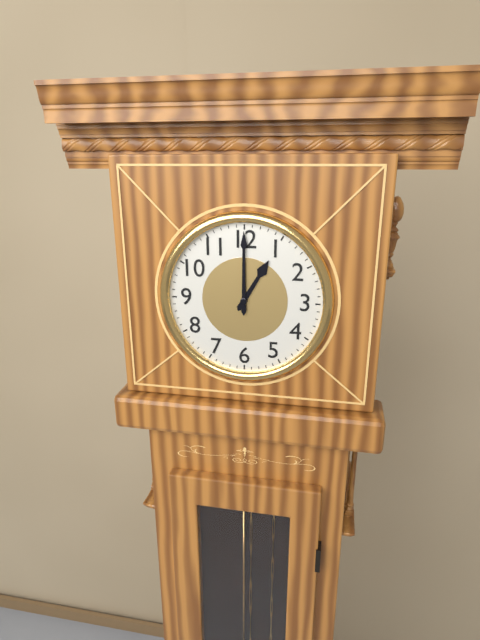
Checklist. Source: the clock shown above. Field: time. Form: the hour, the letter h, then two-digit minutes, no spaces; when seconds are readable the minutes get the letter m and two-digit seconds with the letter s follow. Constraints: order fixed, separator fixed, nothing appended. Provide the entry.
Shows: 1h00
